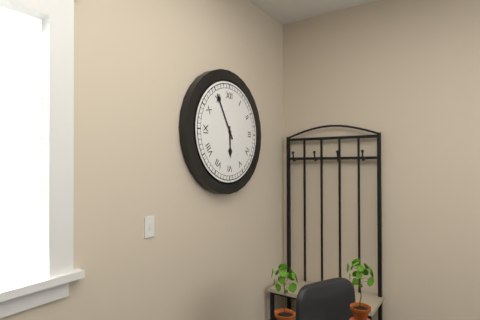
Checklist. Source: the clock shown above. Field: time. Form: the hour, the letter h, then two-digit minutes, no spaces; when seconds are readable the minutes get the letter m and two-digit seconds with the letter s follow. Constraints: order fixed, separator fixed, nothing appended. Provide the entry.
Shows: 5h55
